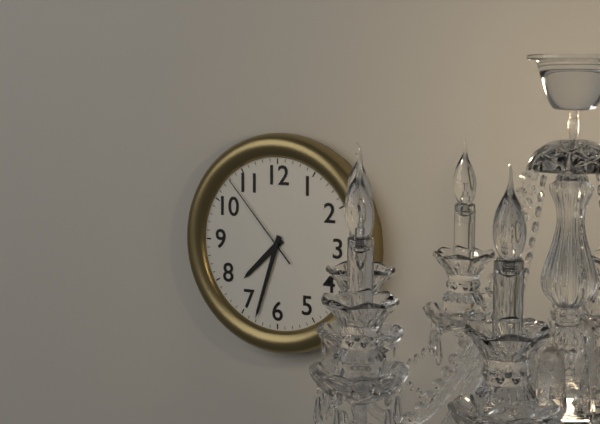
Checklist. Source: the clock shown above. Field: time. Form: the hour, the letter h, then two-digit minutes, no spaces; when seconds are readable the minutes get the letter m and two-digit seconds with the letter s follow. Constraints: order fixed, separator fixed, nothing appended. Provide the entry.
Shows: 7h33m53s
